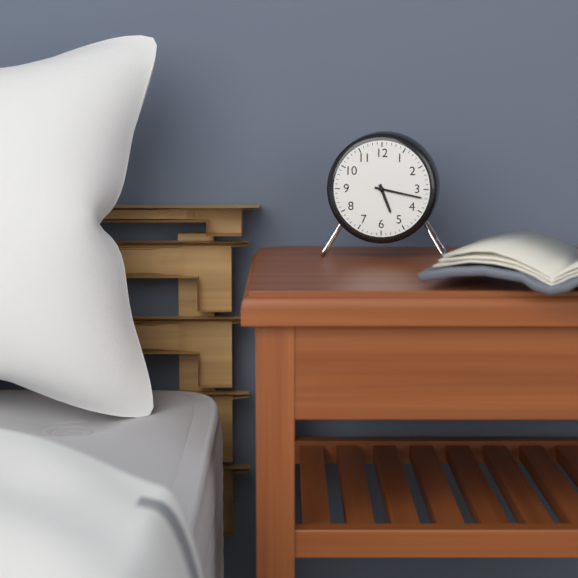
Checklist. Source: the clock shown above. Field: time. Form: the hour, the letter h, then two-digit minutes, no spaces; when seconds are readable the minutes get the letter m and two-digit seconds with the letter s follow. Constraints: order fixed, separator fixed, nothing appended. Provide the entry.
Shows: 5h17
